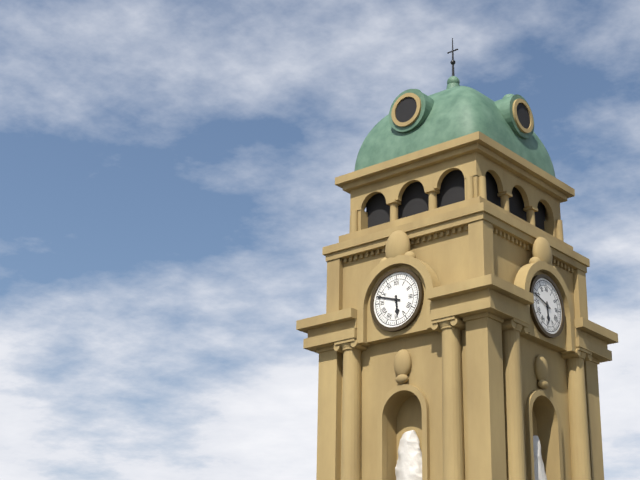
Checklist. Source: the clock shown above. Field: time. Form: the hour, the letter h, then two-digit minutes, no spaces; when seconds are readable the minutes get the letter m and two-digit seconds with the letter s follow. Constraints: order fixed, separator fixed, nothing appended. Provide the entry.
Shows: 5h48
